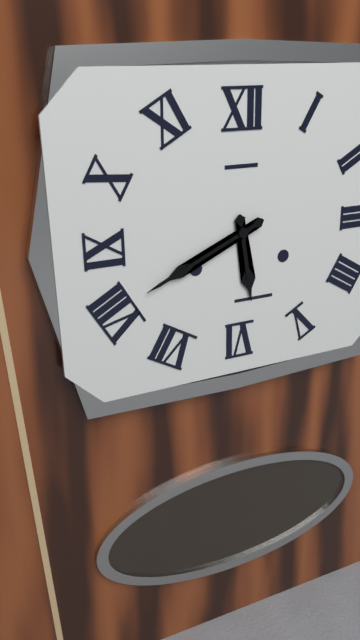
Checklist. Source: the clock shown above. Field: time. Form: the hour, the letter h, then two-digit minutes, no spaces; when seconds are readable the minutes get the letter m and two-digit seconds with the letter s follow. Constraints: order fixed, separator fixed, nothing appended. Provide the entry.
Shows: 5h41
